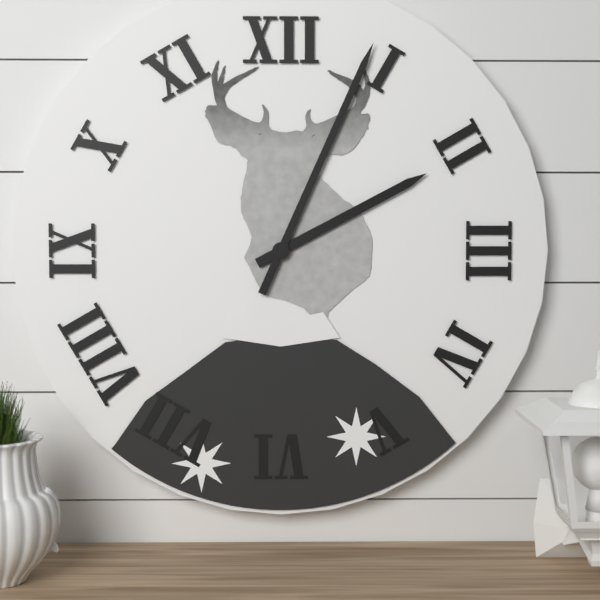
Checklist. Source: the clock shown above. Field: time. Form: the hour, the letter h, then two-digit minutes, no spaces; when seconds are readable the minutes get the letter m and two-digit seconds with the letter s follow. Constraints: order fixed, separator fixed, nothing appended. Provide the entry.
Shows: 2h04
